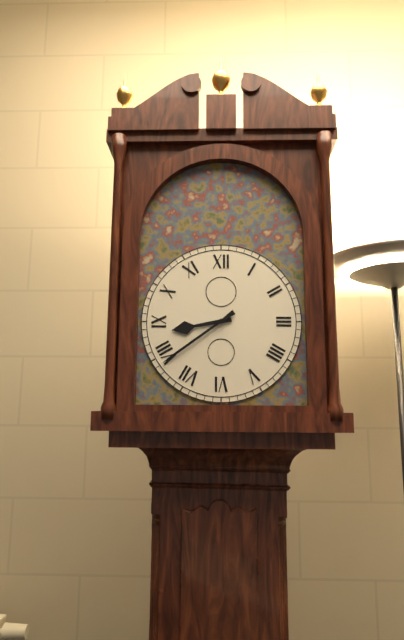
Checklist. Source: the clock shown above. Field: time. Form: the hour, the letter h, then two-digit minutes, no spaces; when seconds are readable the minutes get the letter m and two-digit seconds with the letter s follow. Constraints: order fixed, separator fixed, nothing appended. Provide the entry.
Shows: 8h39
